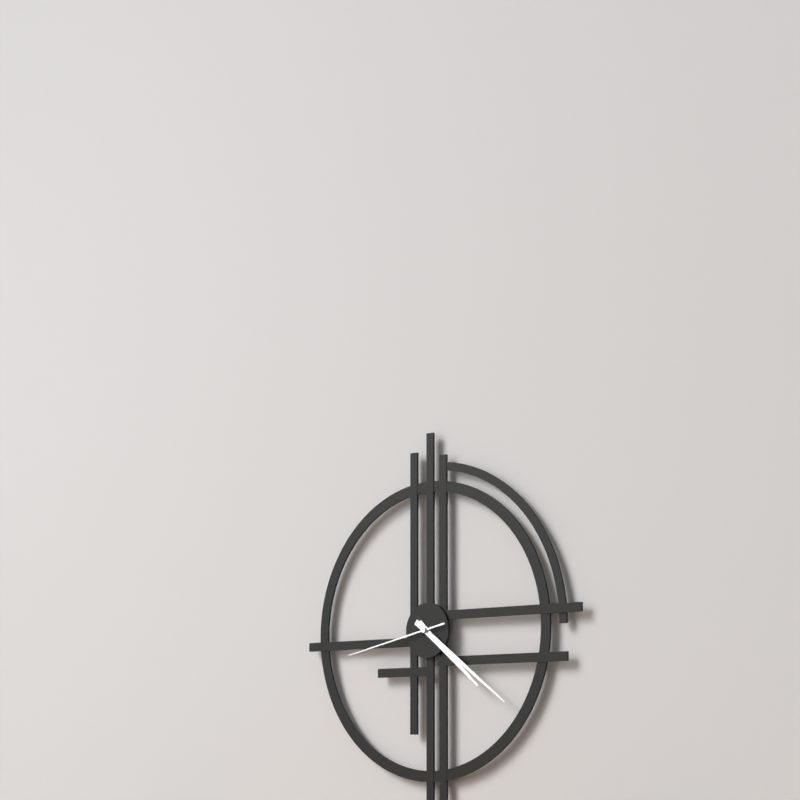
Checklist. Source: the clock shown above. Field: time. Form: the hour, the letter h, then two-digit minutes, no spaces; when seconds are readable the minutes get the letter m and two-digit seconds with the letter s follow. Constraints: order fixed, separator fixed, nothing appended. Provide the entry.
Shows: 4h21m43s
